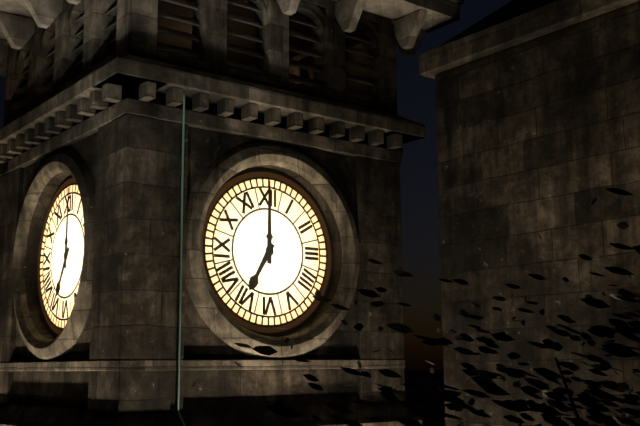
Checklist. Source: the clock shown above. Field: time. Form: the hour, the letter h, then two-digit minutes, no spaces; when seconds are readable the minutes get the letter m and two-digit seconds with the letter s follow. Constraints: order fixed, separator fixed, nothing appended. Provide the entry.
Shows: 7h00
